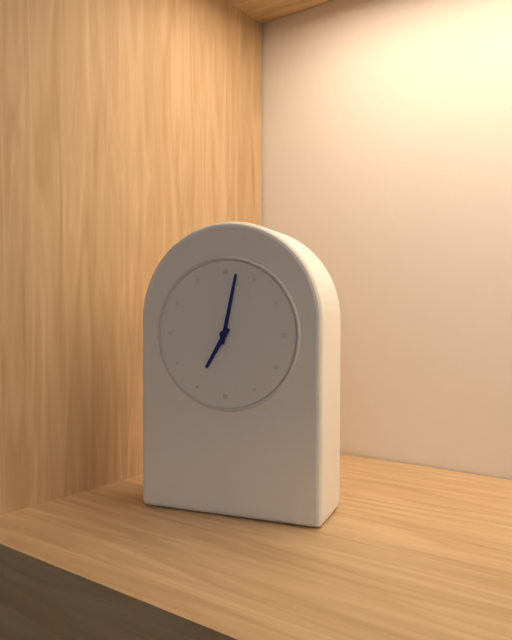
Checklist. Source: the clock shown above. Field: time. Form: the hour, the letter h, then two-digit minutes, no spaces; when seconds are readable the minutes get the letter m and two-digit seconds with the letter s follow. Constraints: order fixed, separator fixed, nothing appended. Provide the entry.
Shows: 7h02
